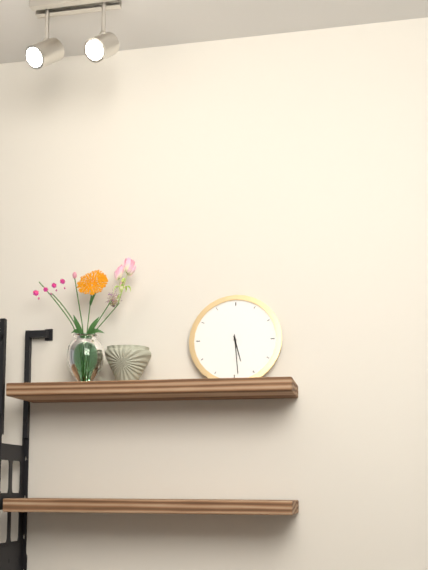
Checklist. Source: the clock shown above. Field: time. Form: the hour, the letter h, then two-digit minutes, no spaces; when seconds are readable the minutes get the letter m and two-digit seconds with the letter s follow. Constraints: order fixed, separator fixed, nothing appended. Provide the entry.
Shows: 5h29
